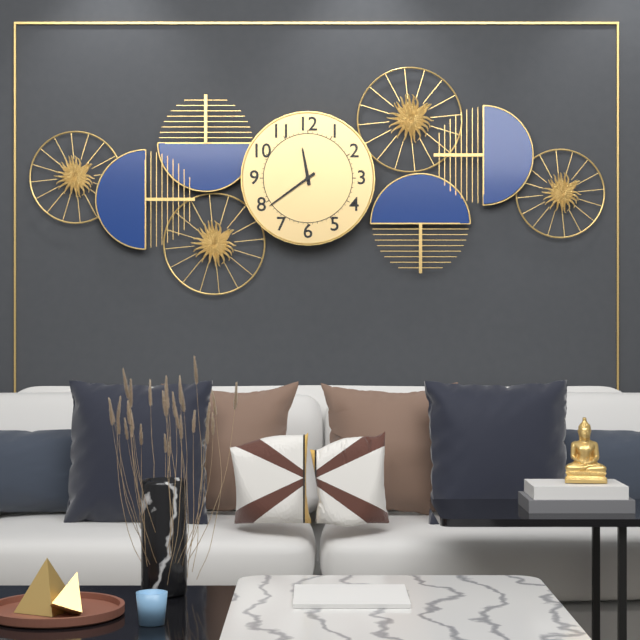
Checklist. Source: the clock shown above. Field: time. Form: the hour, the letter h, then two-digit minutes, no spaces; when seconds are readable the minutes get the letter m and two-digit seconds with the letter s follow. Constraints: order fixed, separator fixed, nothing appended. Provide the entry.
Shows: 11h39
